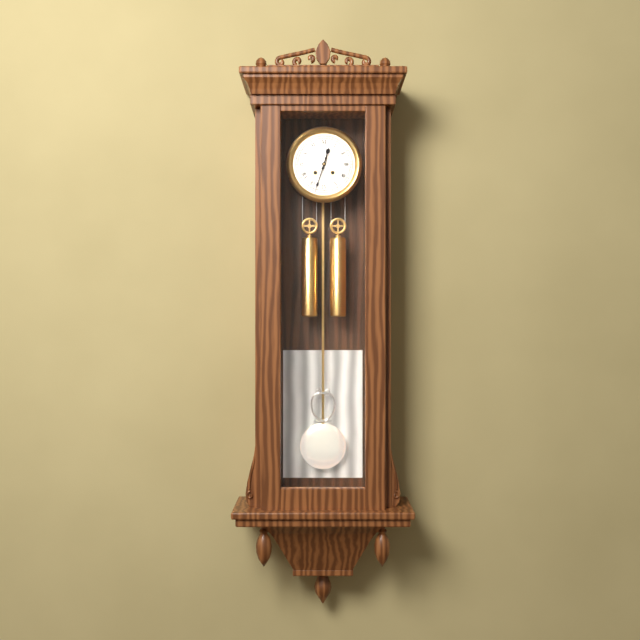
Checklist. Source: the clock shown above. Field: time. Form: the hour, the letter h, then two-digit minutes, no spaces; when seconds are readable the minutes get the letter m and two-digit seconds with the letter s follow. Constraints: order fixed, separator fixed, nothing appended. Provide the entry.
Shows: 12h33
